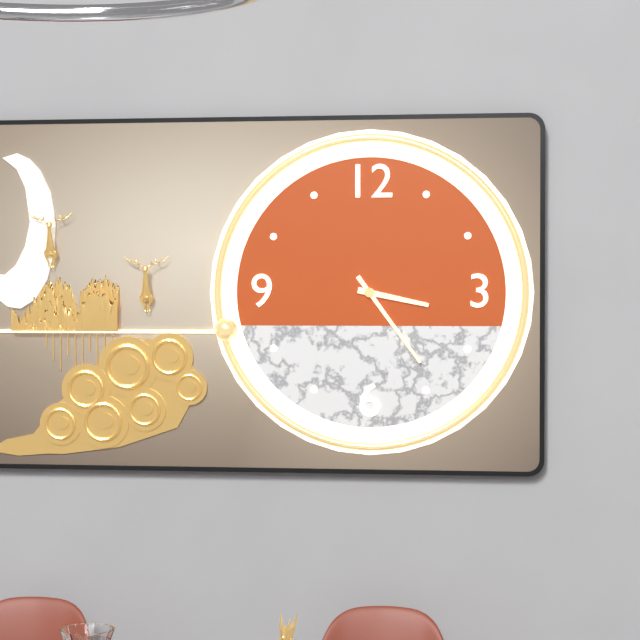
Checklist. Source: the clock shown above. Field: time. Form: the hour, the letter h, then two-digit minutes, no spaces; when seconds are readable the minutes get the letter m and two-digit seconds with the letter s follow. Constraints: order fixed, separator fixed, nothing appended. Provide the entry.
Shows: 3h24
